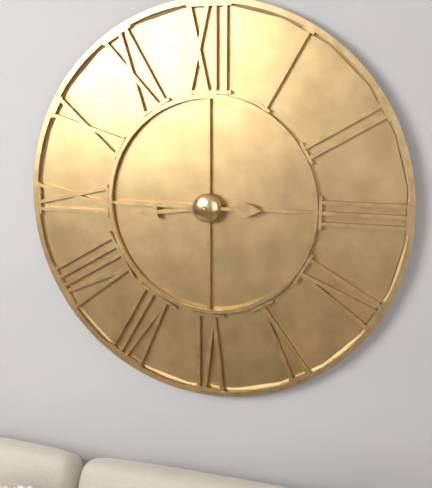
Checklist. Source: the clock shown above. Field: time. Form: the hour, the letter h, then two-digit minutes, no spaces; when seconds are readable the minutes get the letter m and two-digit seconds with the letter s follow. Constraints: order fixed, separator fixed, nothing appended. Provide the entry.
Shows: 8h45
